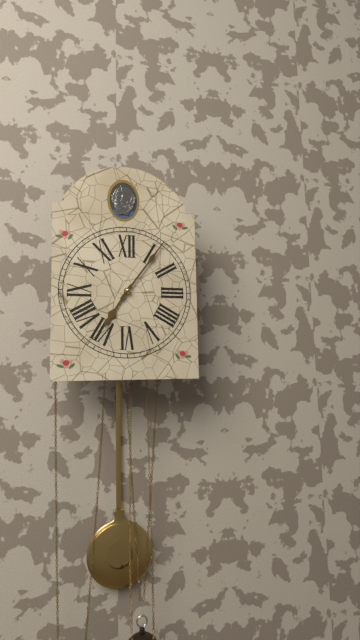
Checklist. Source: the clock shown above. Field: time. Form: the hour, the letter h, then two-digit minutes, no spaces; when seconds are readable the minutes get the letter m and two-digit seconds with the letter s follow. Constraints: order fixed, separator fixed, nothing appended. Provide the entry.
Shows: 7h06
